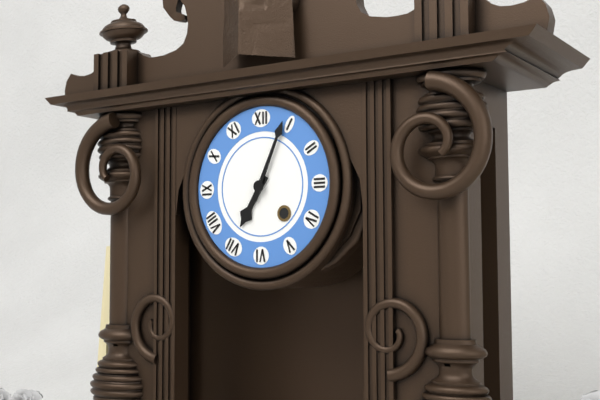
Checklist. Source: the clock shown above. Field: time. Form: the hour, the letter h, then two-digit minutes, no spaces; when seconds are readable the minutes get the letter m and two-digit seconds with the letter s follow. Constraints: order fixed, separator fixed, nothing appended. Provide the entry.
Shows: 7h04
